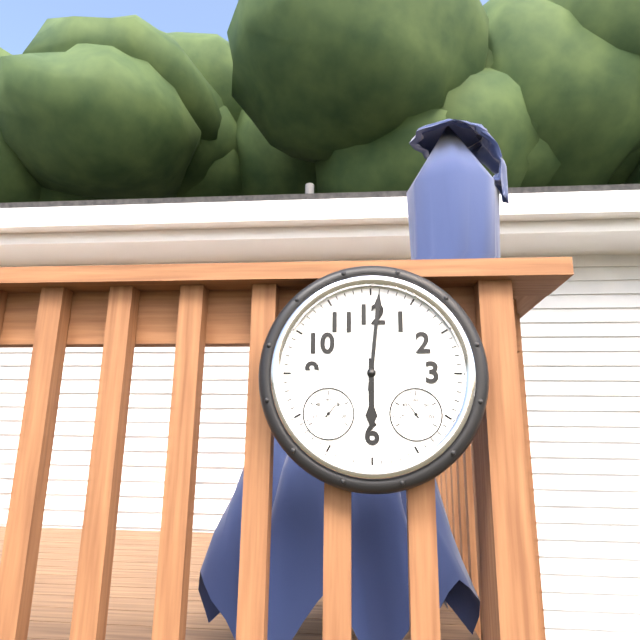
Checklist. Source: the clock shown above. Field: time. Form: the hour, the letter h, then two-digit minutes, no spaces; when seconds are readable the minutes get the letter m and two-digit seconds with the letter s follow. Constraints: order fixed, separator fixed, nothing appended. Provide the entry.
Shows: 6h01
